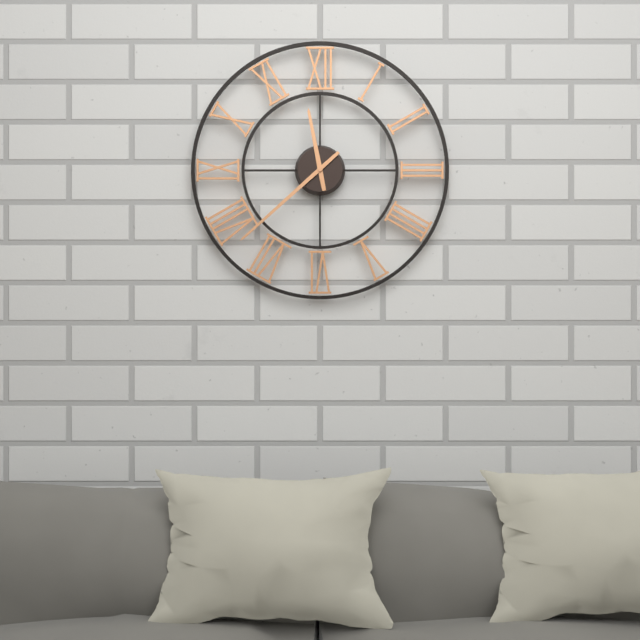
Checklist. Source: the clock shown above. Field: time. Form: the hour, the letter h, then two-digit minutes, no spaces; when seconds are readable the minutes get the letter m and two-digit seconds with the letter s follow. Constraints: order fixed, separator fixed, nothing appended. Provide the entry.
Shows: 11h38
